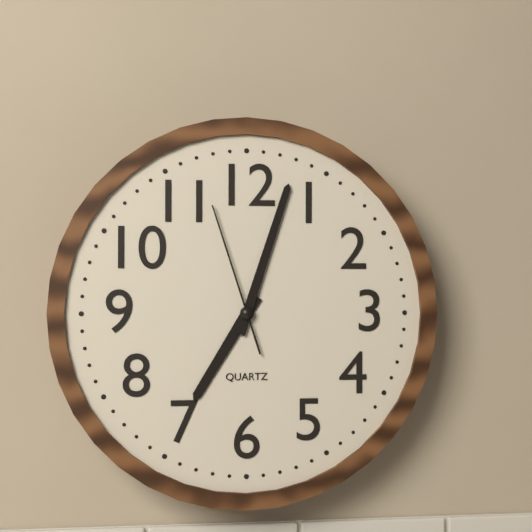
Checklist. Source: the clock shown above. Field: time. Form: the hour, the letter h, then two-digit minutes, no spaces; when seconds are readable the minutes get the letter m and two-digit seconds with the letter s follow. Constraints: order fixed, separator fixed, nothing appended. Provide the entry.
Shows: 7h03m57s
